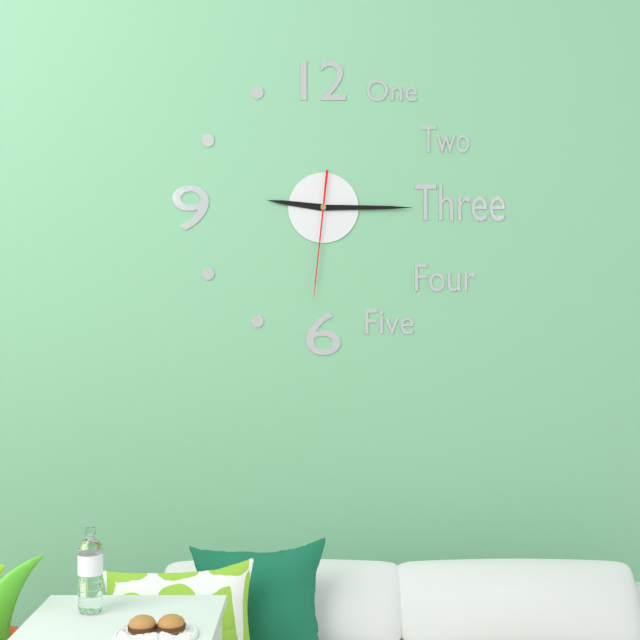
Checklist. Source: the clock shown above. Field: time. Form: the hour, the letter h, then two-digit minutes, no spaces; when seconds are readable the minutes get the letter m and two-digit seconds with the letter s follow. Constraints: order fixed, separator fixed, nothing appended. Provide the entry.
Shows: 9h15m31s
